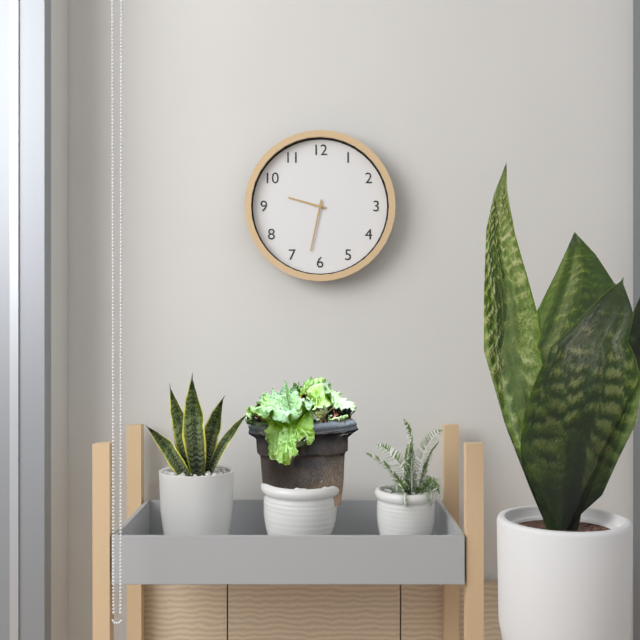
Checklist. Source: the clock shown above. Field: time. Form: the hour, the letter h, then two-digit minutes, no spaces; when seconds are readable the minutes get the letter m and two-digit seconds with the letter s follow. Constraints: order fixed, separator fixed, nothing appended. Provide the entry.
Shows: 9h32
